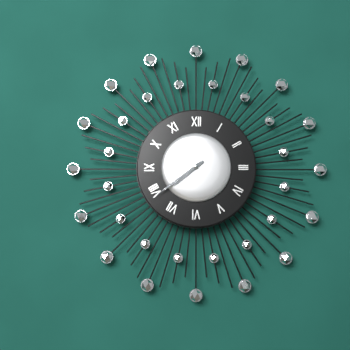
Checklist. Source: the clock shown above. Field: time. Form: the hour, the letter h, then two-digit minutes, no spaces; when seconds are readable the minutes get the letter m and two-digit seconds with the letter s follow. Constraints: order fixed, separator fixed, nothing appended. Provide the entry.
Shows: 7h39
